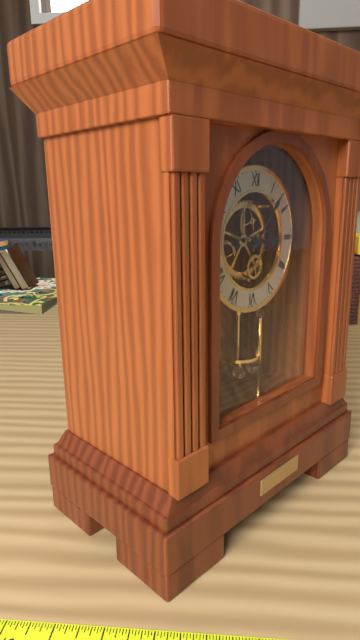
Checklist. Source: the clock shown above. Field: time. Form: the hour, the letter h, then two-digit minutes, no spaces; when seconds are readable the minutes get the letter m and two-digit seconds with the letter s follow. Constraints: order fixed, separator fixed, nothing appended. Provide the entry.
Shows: 3h07
